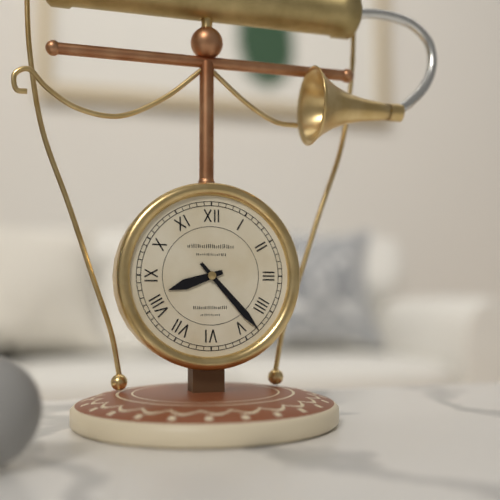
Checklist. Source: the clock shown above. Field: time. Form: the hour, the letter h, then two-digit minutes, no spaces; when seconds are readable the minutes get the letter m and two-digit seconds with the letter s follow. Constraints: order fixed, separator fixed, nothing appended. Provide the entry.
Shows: 8h23
